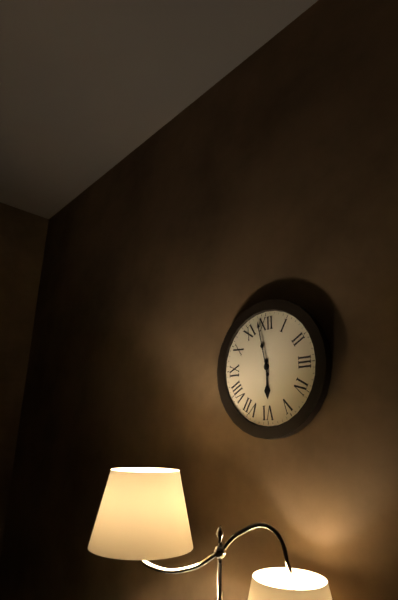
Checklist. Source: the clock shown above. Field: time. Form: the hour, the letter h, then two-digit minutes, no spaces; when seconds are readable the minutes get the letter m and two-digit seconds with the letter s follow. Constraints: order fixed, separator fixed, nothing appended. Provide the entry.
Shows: 5h58
